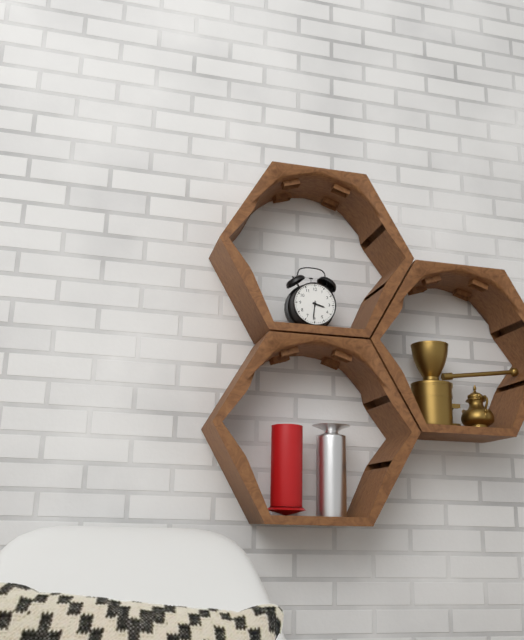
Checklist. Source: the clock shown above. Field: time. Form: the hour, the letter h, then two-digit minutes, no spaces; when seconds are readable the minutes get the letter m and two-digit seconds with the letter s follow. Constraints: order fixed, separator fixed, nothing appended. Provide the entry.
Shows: 3h31
